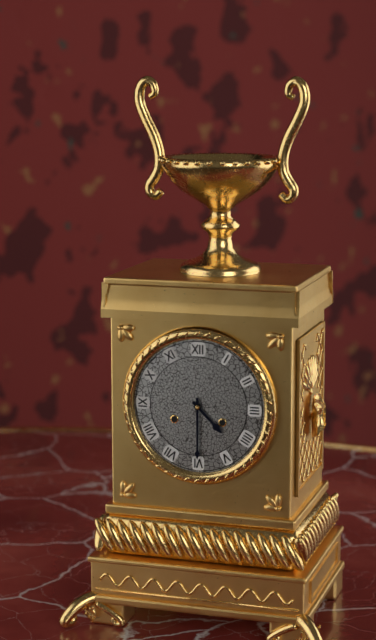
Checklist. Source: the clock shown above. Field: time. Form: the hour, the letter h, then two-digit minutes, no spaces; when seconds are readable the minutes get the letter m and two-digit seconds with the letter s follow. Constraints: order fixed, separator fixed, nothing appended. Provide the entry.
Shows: 4h30
